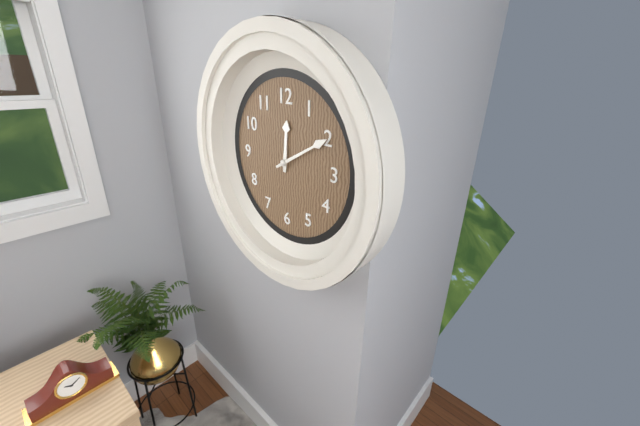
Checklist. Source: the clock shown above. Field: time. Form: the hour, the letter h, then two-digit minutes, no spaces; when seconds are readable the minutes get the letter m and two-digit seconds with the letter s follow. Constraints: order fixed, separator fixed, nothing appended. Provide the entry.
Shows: 12h10
